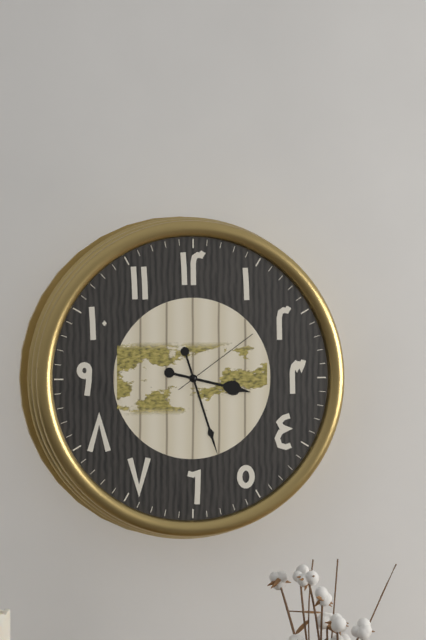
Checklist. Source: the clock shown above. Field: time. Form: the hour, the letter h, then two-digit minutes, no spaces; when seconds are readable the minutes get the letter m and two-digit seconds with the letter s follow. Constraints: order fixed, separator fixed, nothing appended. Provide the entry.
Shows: 3h27m09s
